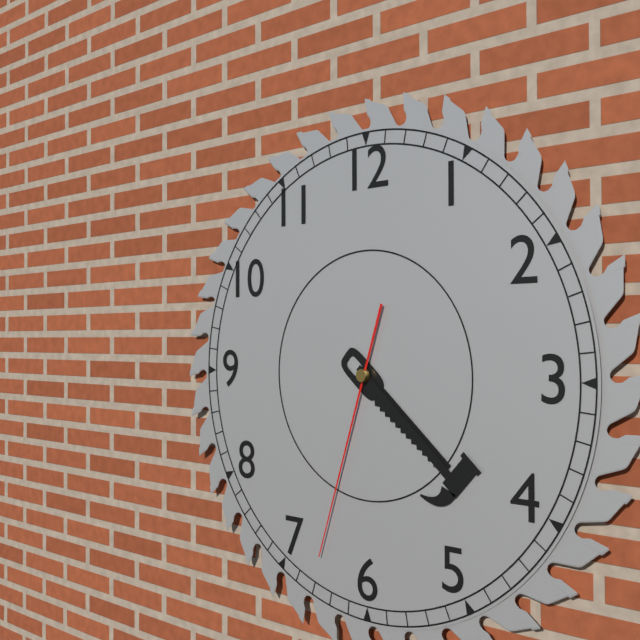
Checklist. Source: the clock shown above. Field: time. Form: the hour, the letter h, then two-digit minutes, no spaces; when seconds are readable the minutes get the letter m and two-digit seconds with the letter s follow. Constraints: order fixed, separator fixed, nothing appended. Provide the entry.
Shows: 4h22m33s
